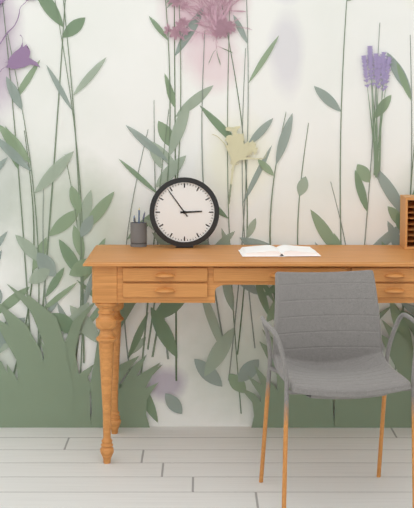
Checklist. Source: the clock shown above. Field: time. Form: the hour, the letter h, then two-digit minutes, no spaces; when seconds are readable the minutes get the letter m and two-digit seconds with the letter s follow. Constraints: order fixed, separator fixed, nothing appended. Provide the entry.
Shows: 2h54
